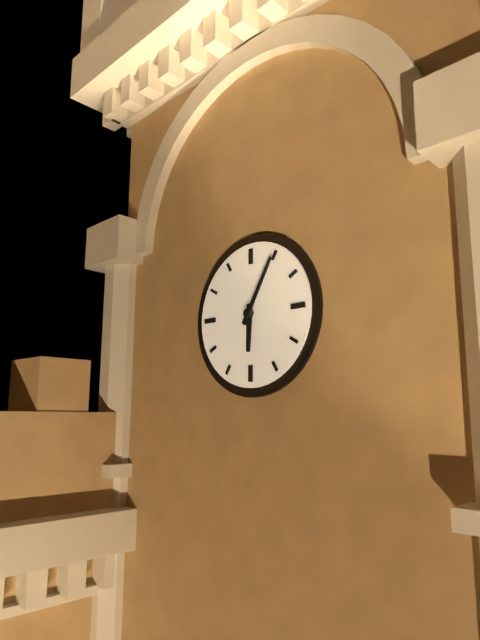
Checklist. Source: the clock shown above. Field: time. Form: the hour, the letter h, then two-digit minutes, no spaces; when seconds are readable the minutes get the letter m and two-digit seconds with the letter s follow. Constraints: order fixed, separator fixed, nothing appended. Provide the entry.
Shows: 6h05
